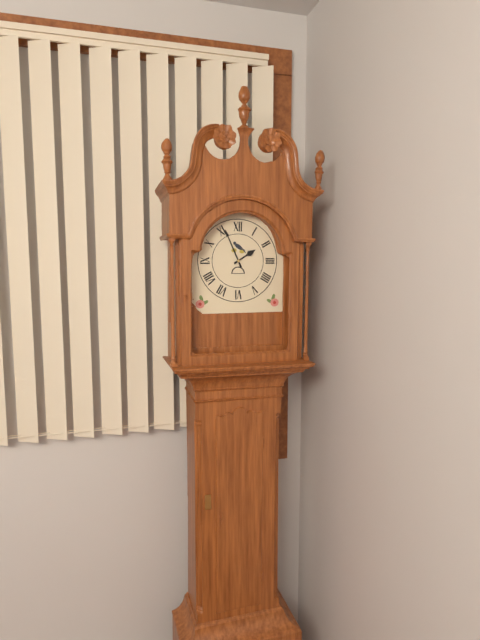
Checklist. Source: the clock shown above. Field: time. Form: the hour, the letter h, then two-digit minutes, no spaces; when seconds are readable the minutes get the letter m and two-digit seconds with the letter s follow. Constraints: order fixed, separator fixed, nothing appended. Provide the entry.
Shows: 1h56
